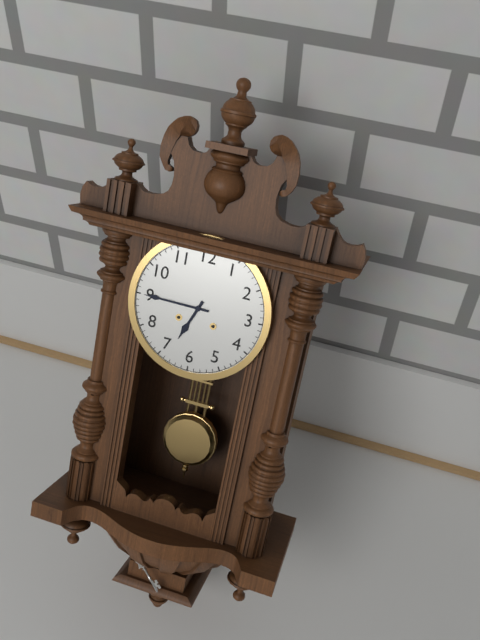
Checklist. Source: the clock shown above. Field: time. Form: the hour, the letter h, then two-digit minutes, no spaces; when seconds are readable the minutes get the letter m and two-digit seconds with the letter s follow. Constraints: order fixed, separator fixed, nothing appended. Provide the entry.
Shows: 6h45
